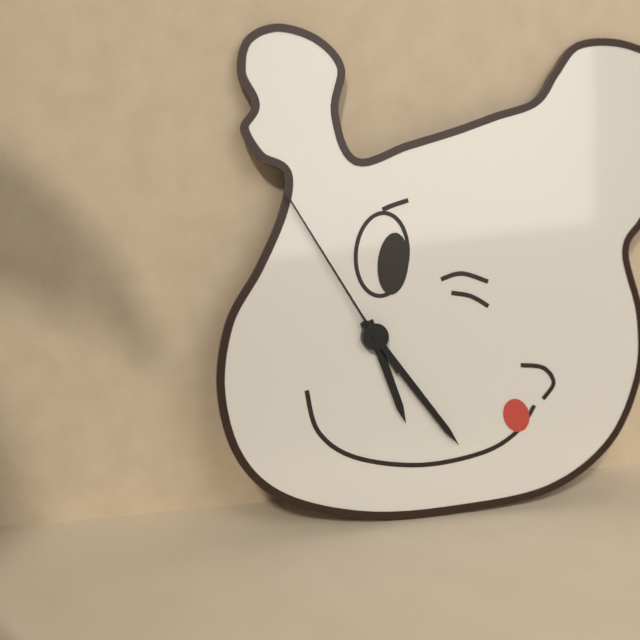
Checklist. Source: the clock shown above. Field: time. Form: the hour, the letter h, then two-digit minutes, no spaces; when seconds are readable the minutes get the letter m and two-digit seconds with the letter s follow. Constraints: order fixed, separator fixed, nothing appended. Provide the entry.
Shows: 5h24m55s
